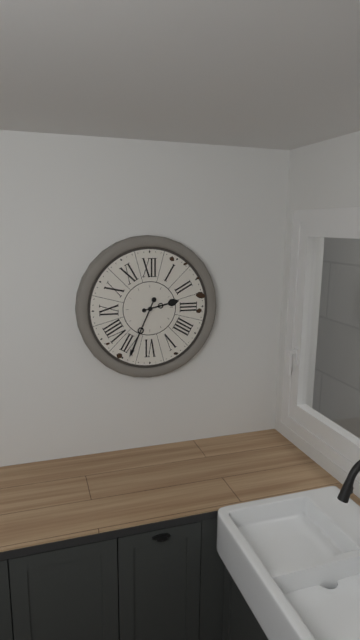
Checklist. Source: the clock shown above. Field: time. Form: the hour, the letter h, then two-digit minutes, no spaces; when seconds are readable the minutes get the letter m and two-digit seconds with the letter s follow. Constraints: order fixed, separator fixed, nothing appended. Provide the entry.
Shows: 2h34
